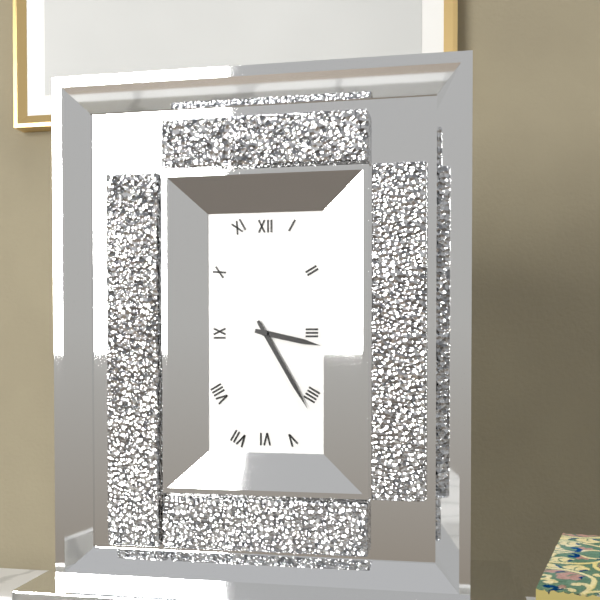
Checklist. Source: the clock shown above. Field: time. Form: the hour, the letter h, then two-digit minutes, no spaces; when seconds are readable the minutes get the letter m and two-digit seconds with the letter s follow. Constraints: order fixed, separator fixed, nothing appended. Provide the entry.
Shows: 3h25
